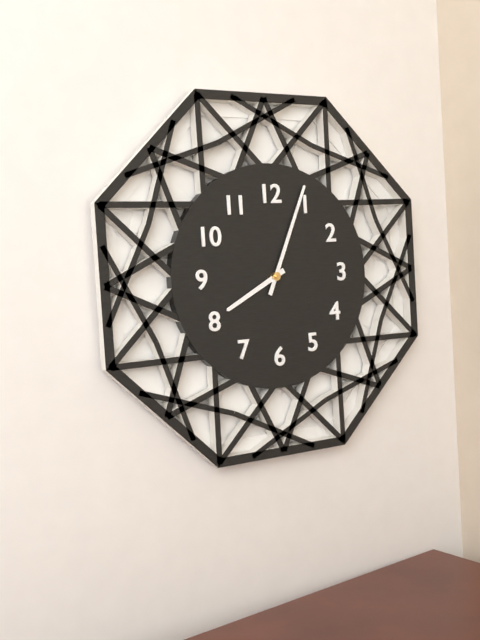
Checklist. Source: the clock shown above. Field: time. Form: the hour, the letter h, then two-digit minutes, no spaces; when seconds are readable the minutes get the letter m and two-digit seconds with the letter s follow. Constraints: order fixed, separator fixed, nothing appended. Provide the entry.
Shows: 8h04
